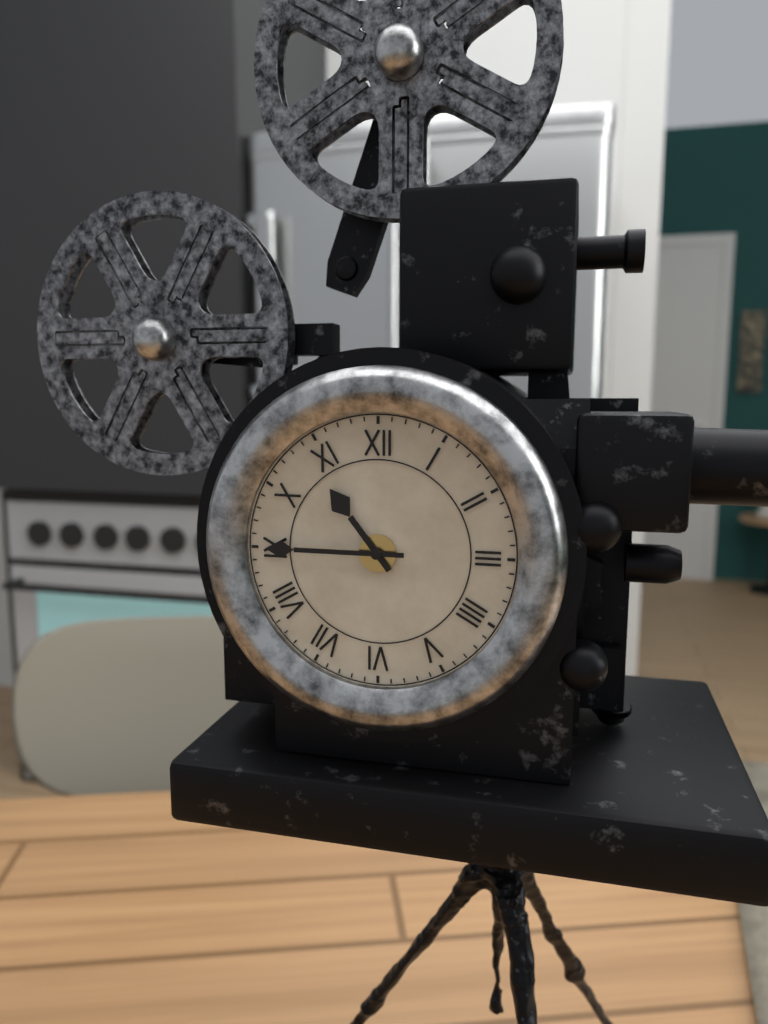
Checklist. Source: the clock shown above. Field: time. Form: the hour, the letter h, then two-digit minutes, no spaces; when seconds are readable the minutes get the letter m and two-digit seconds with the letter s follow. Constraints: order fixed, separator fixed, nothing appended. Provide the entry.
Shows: 10h45
